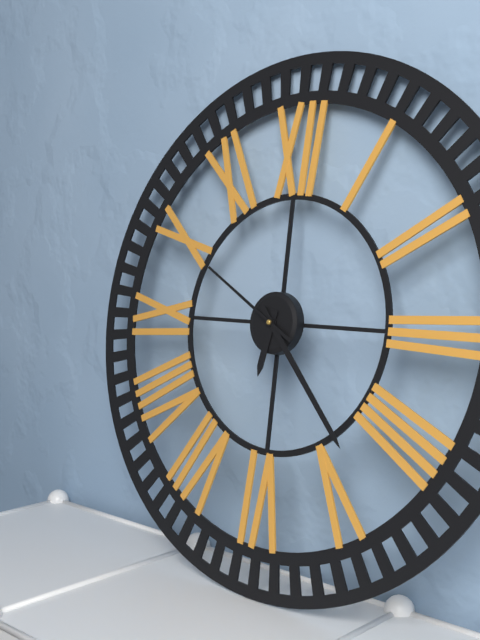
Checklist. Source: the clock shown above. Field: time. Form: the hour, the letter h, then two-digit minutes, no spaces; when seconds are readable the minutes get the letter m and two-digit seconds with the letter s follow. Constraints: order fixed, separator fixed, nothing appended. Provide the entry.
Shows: 6h23m50s
